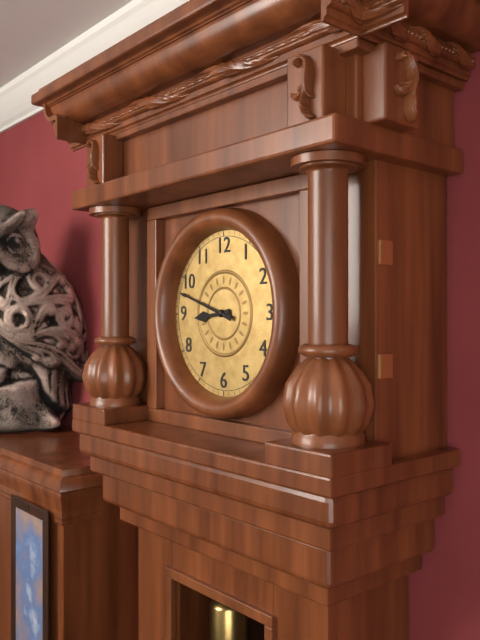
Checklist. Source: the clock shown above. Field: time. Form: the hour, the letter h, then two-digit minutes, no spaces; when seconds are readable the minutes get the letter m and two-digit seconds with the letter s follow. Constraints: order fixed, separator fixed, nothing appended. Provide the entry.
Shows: 8h48
